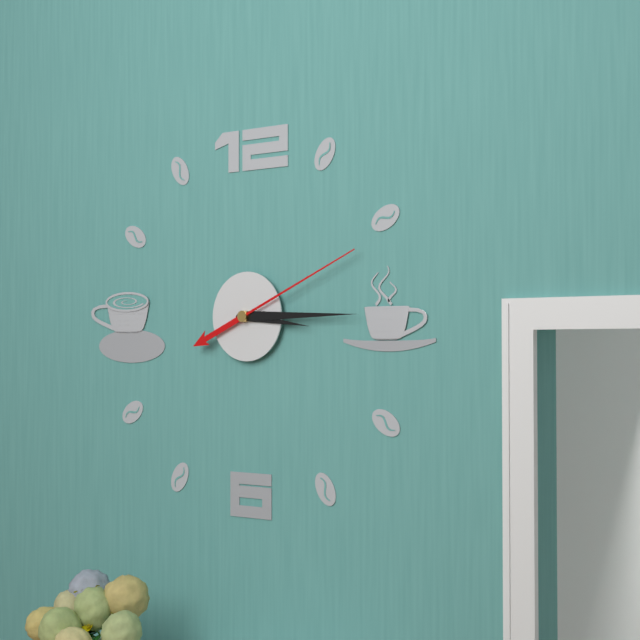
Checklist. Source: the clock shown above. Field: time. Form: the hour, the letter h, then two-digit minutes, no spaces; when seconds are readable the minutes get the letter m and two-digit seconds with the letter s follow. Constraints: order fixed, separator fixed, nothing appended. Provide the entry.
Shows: 3h15m11s
